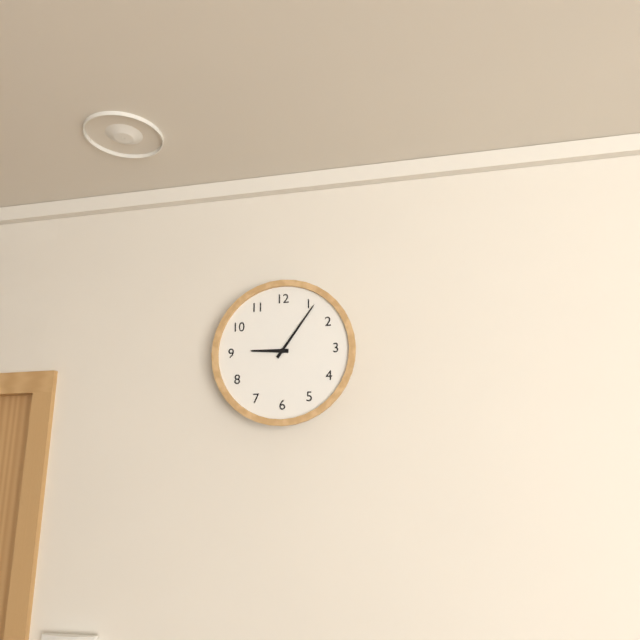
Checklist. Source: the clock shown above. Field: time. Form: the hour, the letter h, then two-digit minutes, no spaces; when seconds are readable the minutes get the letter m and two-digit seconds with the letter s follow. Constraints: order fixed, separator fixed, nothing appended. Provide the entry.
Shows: 9h06
